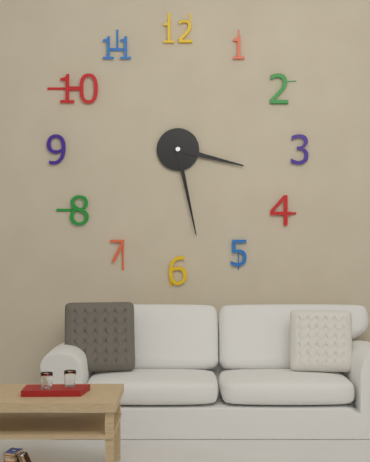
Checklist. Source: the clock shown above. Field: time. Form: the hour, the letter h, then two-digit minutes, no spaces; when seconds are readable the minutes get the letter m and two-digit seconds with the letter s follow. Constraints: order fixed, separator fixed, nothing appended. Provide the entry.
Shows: 3h28
